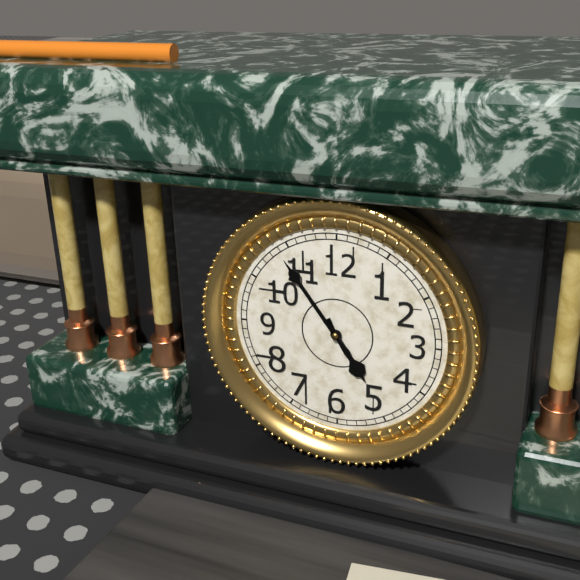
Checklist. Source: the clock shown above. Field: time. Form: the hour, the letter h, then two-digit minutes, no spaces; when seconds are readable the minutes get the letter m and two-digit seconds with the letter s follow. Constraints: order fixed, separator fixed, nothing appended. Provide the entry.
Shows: 4h54
